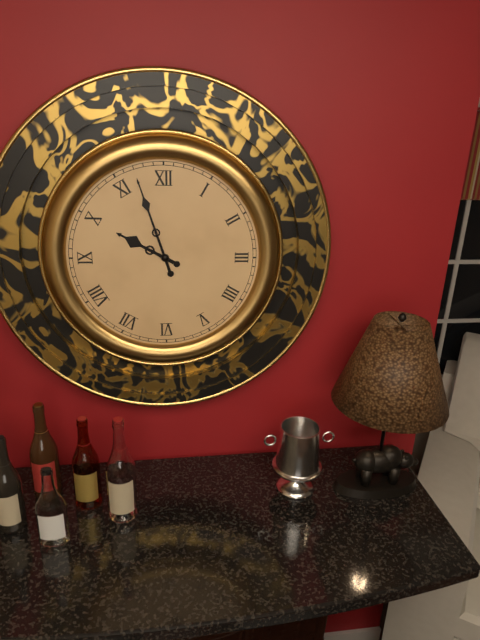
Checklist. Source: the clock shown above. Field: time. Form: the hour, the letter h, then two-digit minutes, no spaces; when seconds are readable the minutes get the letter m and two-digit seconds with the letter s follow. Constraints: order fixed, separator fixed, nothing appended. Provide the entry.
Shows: 9h57
